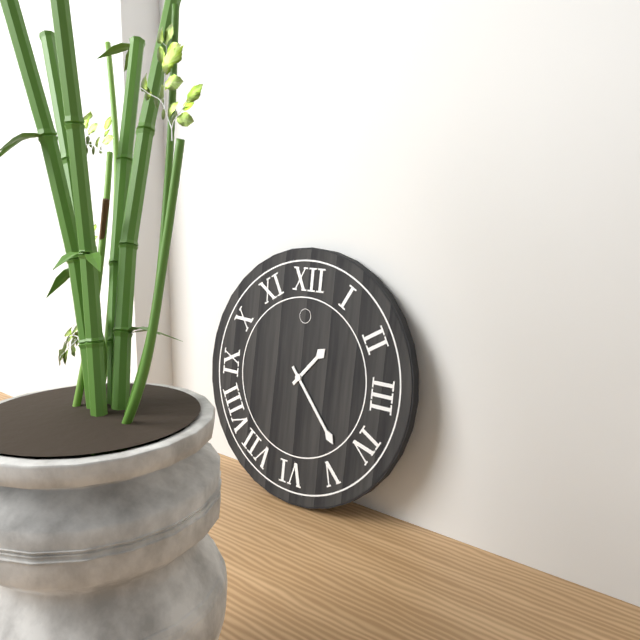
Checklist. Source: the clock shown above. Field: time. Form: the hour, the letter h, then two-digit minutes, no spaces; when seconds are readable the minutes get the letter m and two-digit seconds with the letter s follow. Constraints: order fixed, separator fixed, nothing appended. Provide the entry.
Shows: 1h23
